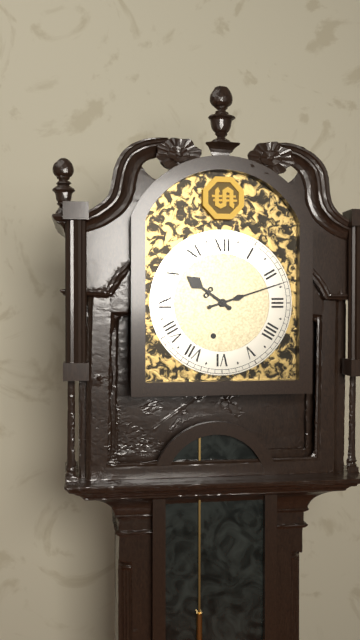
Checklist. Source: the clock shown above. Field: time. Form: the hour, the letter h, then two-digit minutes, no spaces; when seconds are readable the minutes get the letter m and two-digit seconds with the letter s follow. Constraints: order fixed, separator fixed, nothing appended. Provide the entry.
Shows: 10h12
